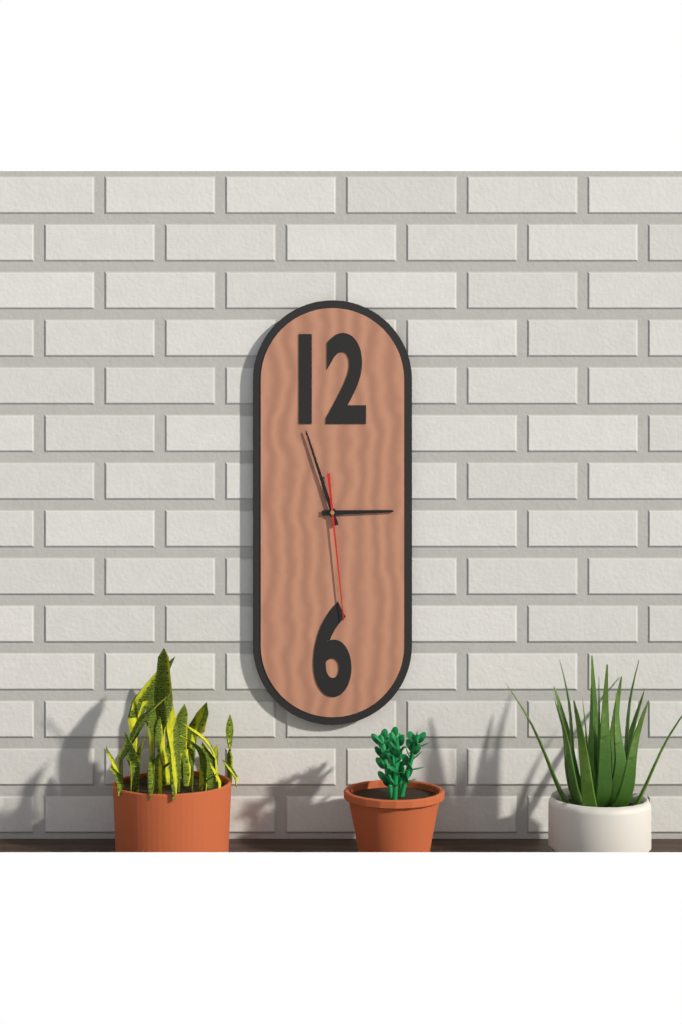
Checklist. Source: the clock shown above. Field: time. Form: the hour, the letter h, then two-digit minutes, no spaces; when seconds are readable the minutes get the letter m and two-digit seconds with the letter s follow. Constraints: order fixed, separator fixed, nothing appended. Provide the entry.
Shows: 2h57m29s
